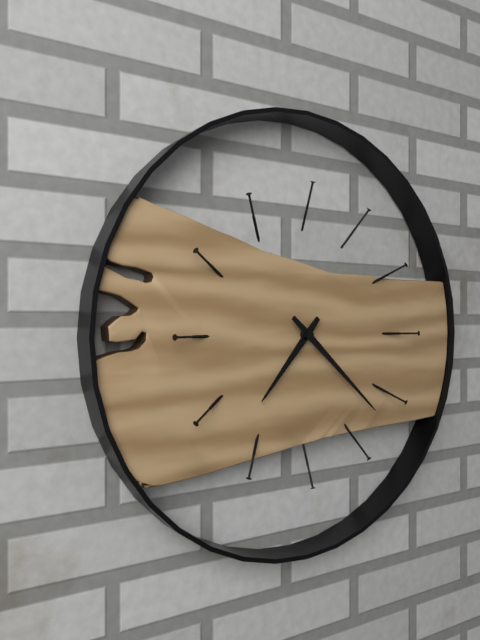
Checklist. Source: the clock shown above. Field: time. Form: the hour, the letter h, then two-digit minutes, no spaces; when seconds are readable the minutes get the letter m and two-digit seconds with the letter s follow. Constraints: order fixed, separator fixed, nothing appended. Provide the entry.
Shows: 7h22
